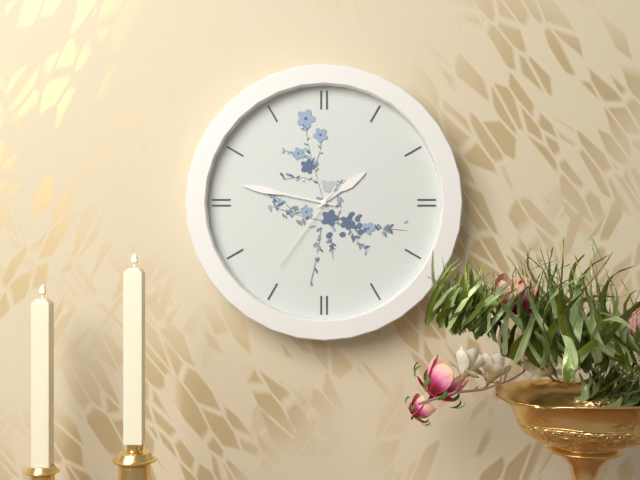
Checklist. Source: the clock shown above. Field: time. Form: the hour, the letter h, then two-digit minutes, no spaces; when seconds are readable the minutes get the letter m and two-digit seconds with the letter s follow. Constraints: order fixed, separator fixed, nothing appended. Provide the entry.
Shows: 1h47m36s
